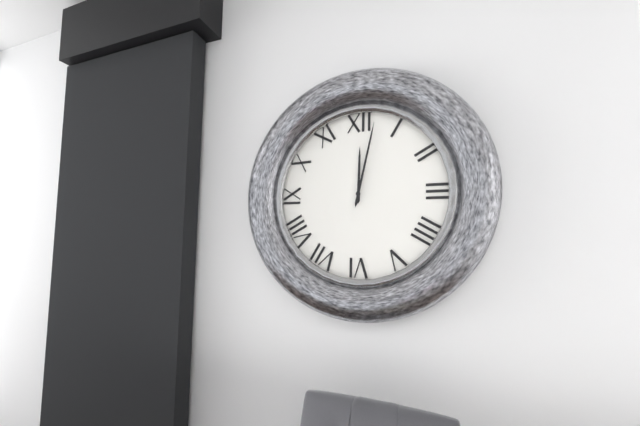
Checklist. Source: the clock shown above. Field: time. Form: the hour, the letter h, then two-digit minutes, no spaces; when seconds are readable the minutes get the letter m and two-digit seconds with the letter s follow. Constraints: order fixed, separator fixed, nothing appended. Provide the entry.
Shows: 12h02
